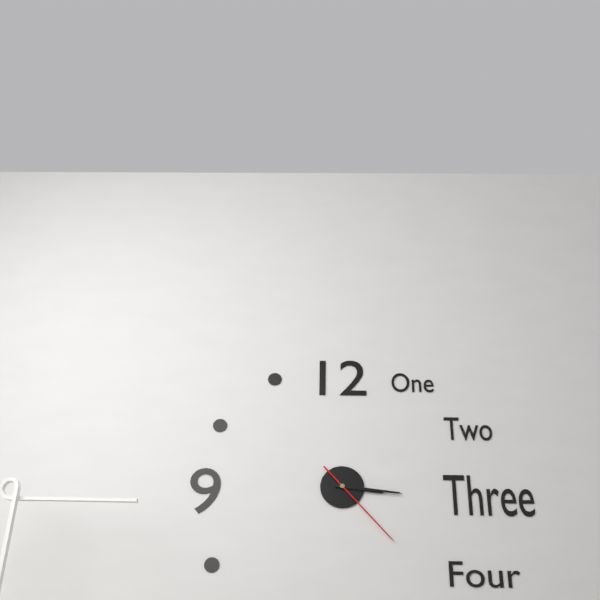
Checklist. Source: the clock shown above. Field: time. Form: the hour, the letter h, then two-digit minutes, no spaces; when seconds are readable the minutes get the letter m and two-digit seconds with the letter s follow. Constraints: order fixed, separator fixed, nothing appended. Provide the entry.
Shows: 3h16m23s
